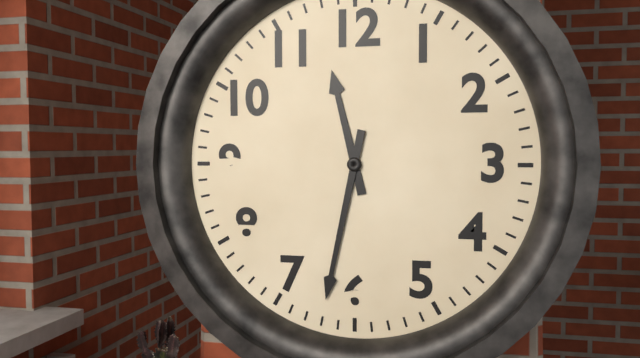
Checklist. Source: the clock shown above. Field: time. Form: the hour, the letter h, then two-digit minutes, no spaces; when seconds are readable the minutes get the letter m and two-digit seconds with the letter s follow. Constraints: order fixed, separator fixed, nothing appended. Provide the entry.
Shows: 11h32
